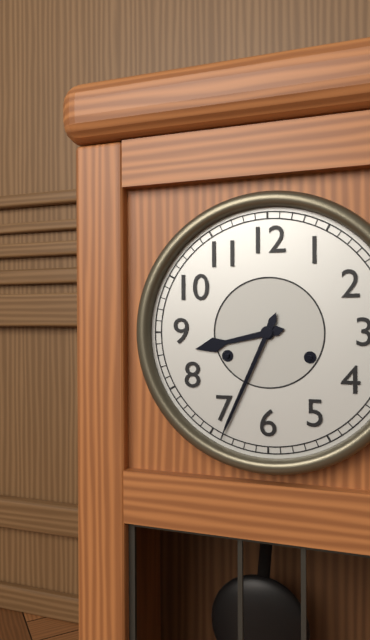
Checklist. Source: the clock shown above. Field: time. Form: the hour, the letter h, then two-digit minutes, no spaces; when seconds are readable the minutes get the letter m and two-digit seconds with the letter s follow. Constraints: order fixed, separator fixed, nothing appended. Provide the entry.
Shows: 8h34
